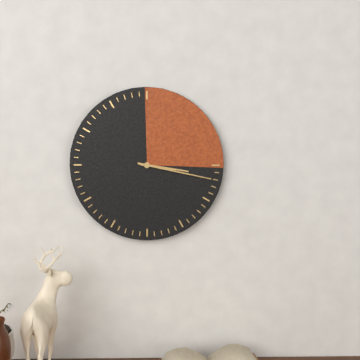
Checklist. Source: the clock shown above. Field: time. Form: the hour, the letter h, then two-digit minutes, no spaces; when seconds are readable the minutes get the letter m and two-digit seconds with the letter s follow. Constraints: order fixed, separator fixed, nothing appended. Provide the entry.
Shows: 3h17
